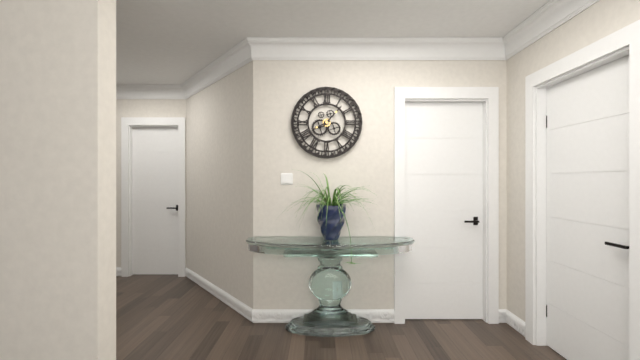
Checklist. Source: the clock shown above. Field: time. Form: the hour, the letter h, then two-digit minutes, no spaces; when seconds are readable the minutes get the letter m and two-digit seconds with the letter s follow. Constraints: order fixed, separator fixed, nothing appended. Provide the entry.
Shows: 8h07
